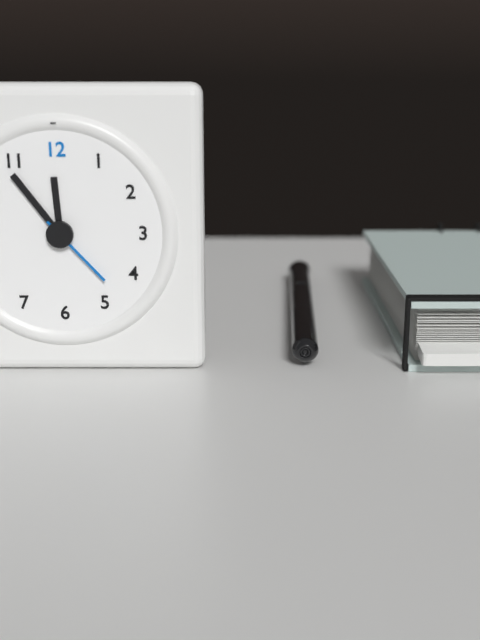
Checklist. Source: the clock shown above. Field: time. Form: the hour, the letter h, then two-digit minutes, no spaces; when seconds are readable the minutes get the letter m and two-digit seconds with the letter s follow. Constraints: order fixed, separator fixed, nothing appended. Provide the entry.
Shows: 11h54m23s
